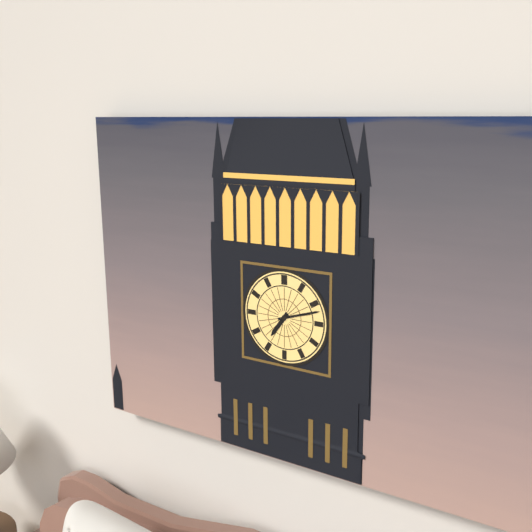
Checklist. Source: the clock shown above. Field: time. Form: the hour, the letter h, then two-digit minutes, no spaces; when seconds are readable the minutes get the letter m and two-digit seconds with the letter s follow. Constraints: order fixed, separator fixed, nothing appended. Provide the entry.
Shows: 7h12
